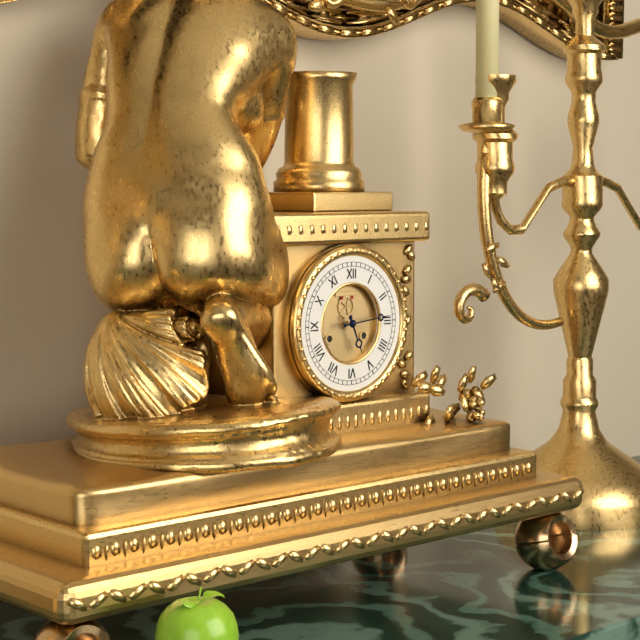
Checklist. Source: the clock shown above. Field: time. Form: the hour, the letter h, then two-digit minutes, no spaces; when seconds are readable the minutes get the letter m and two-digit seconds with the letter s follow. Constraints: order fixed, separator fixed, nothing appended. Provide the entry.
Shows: 5h14
